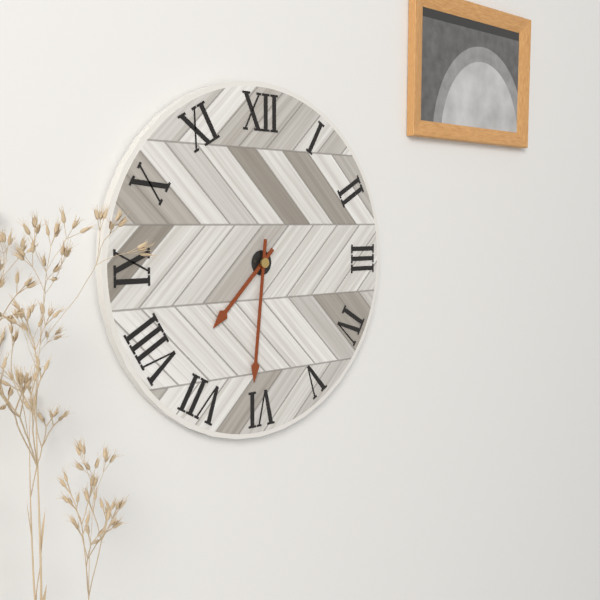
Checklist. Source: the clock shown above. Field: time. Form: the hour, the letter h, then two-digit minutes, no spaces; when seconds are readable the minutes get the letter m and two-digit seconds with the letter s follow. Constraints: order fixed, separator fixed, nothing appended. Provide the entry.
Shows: 7h31
